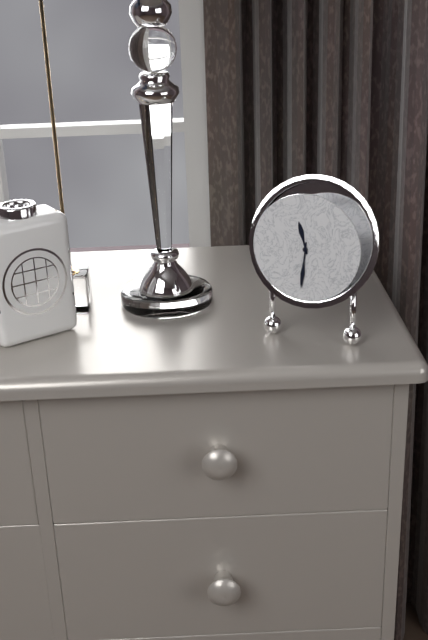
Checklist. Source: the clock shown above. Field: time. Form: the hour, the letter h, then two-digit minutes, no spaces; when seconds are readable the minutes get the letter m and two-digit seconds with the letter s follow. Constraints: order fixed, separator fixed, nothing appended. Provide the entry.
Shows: 11h31
